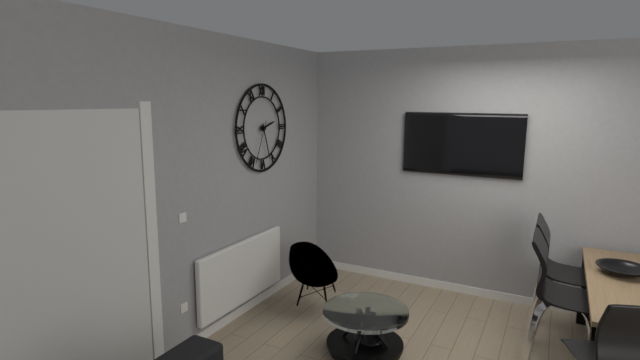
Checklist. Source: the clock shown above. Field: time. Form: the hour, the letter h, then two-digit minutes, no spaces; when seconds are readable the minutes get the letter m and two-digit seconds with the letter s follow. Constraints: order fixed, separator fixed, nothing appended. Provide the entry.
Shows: 2h27
